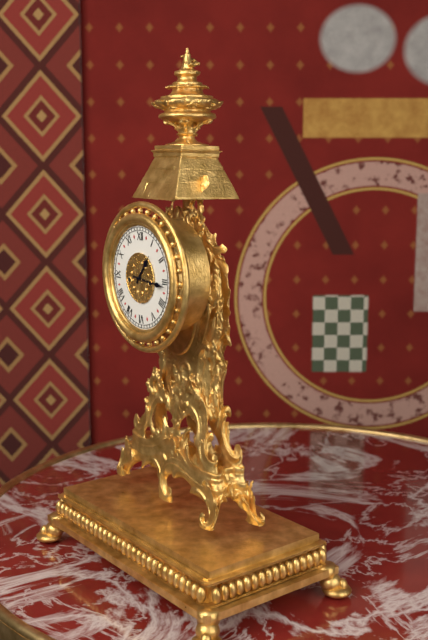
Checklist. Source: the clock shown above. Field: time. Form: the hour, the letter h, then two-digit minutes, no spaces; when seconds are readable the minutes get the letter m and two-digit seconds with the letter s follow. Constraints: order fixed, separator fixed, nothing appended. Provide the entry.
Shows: 1h16
